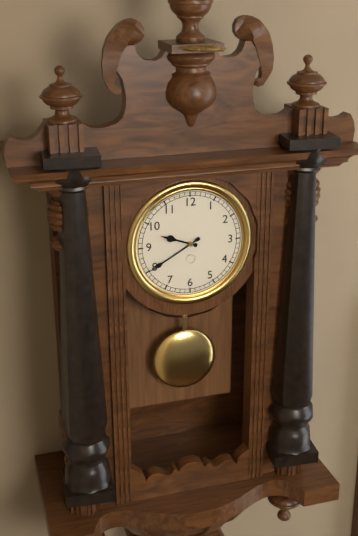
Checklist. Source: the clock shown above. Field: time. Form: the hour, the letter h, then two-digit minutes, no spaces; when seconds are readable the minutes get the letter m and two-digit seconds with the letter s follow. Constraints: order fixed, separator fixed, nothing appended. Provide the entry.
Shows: 9h40
